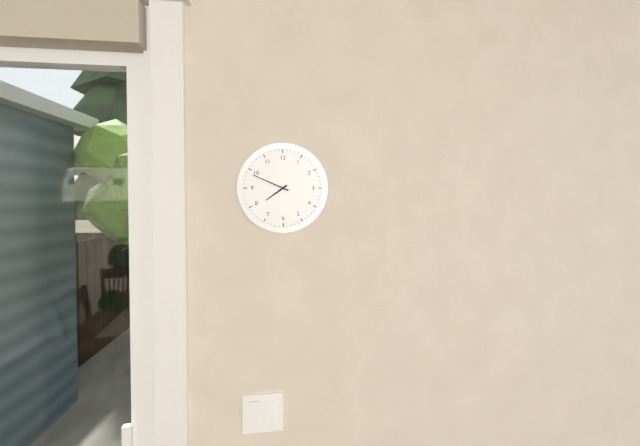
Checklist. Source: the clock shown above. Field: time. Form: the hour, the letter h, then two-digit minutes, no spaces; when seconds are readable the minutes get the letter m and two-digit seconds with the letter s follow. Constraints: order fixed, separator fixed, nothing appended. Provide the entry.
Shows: 7h49
